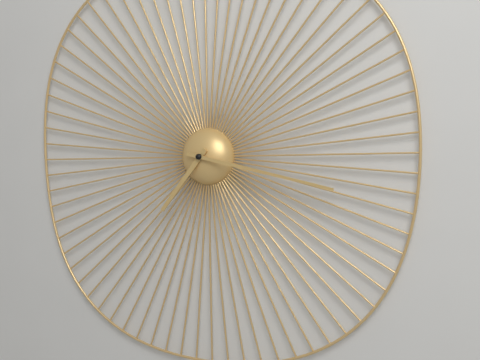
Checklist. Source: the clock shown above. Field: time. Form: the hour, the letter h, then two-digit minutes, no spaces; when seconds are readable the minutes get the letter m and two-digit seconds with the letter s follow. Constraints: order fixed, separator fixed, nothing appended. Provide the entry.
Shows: 7h17
